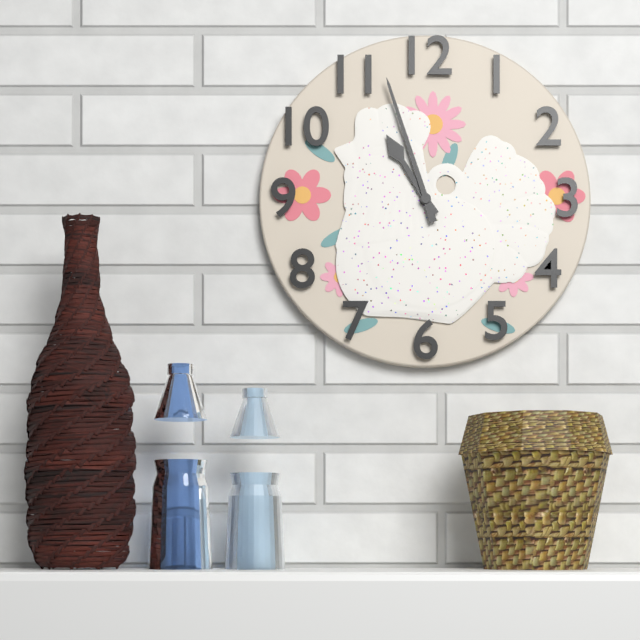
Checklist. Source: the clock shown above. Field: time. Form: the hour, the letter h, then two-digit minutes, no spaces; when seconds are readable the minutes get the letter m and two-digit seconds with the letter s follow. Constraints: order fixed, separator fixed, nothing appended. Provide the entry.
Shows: 10h57
